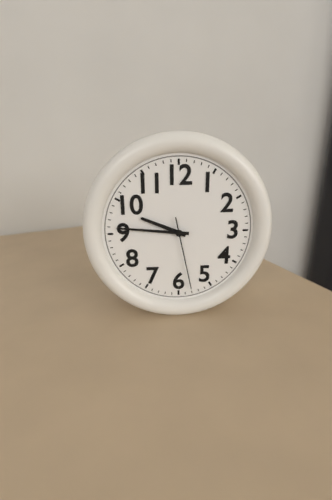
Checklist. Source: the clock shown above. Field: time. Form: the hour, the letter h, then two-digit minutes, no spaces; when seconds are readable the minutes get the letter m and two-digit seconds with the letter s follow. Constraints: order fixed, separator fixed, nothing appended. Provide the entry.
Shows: 9h46m28s
